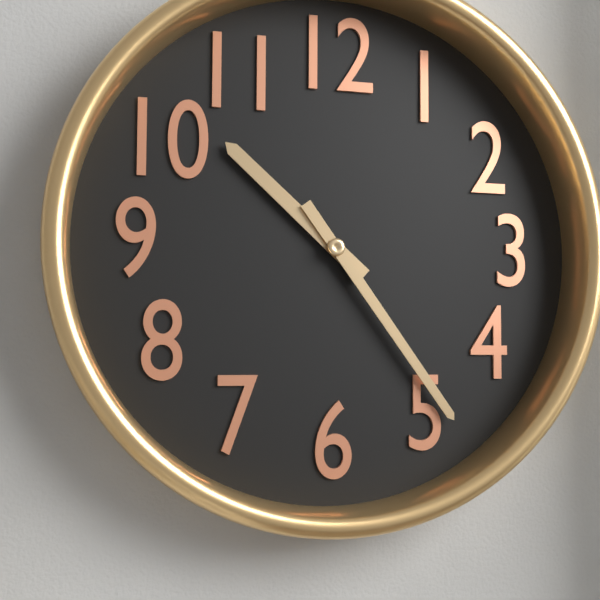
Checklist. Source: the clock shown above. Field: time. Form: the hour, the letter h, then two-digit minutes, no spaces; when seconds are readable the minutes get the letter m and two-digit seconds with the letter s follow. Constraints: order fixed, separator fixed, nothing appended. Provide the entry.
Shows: 10h24
